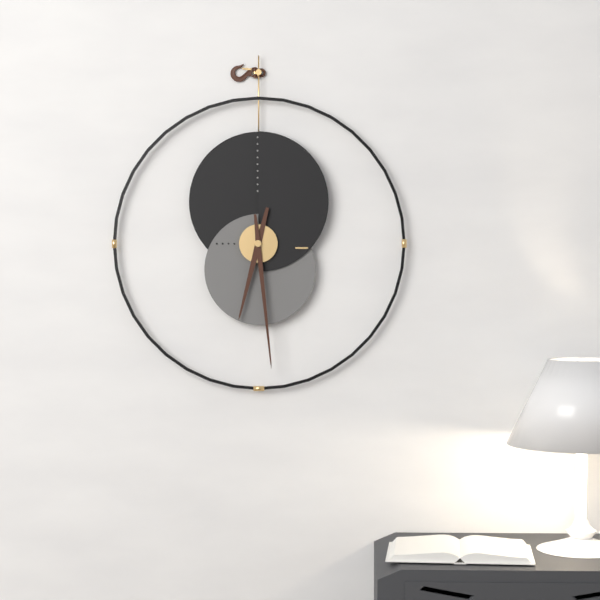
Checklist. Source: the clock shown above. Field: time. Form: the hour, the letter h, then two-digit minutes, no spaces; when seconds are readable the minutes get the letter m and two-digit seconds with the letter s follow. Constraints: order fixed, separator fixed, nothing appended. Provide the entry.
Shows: 6h29
